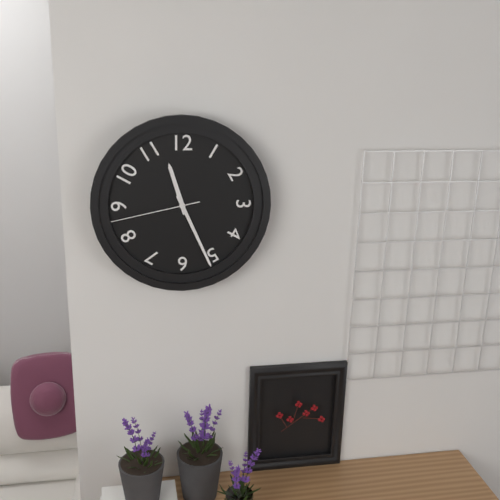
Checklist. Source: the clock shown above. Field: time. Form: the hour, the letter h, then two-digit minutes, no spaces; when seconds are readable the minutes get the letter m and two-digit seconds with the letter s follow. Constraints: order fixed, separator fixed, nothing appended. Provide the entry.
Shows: 11h26m43s
